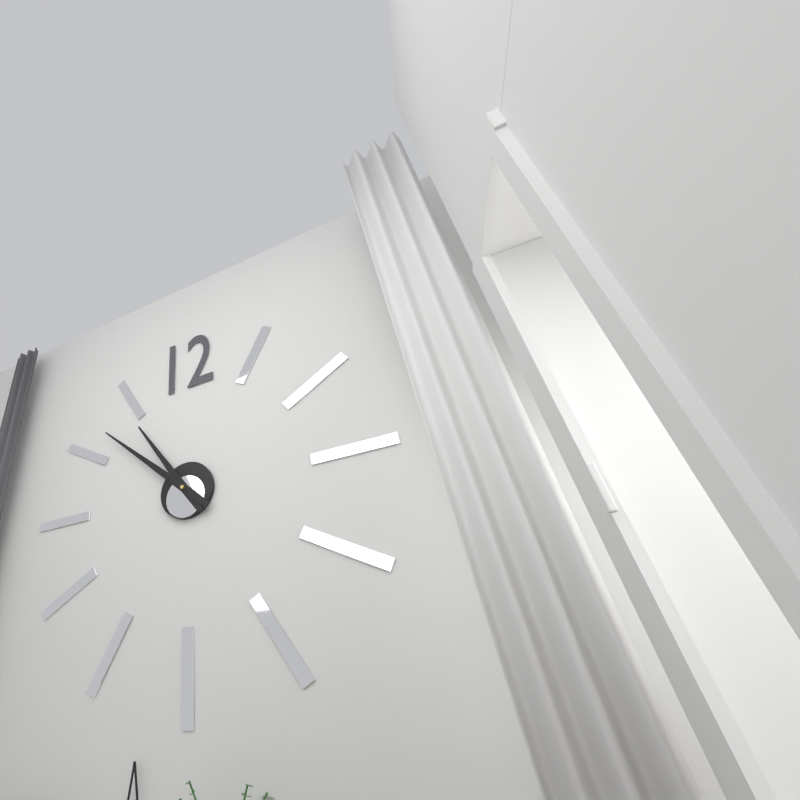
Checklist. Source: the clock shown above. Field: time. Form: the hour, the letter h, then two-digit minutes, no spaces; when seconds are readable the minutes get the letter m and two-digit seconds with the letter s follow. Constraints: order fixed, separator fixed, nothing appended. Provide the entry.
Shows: 10h52
